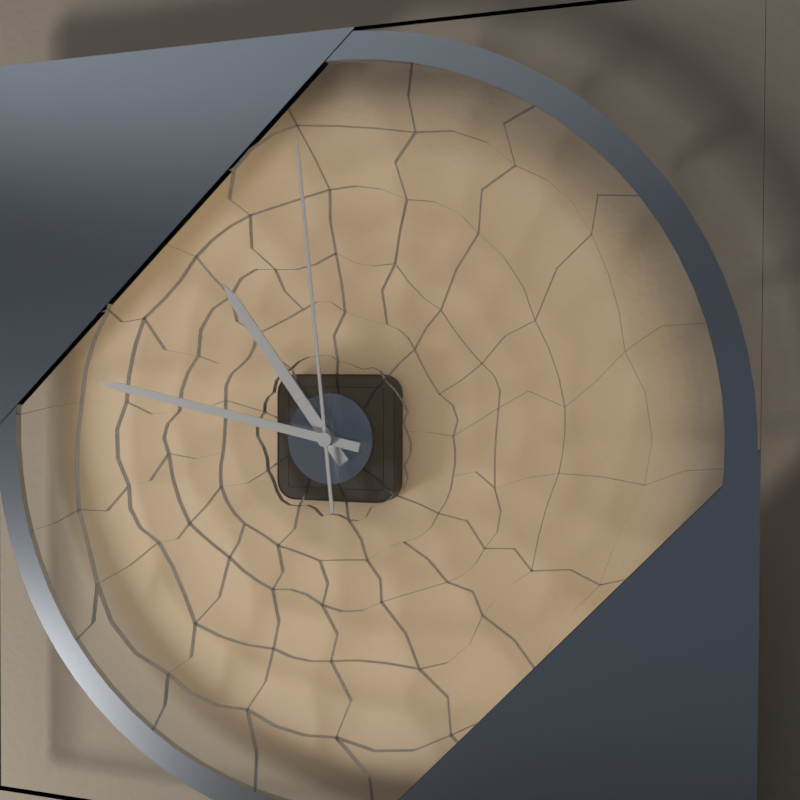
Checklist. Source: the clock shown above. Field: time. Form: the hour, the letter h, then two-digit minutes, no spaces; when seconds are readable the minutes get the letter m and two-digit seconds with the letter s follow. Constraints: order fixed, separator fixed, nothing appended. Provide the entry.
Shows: 10h47m59s
